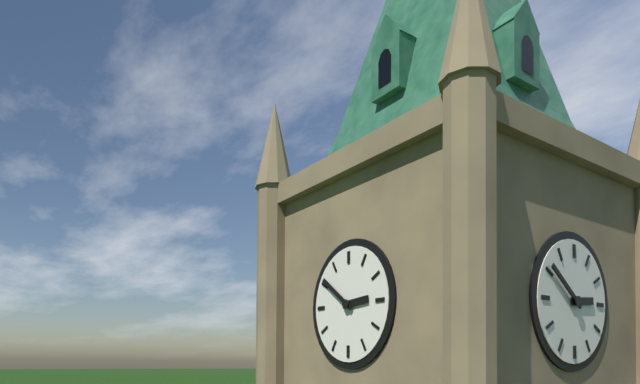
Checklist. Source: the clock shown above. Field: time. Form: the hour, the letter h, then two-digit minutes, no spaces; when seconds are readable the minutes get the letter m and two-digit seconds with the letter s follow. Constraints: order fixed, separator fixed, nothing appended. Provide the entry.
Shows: 2h51
